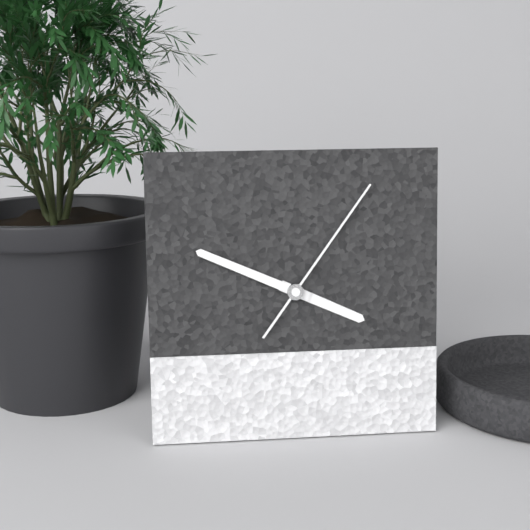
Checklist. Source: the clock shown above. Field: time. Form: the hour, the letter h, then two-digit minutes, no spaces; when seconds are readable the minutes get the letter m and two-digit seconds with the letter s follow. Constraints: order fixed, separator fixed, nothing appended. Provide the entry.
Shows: 3h49m06s
